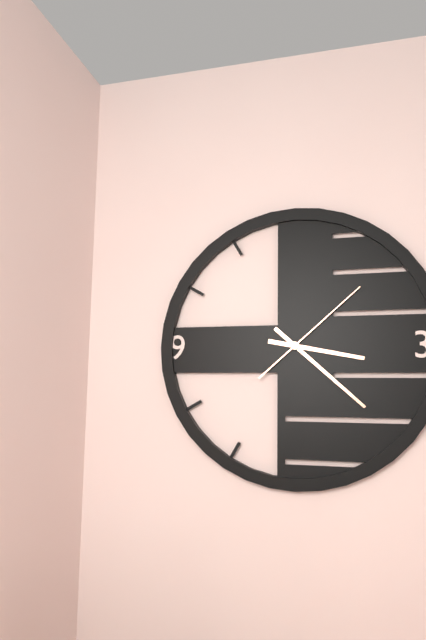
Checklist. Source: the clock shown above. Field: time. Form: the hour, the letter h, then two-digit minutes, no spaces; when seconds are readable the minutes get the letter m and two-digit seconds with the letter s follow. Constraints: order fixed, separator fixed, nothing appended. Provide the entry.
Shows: 3h22m08s
